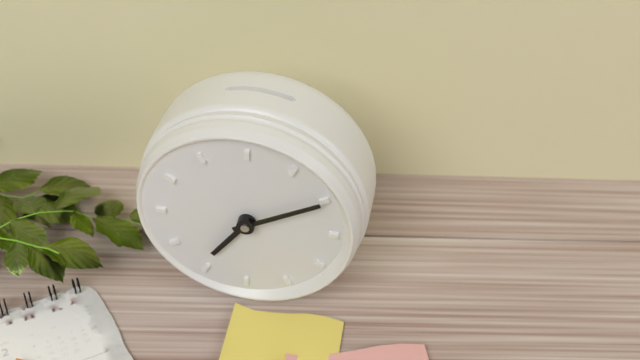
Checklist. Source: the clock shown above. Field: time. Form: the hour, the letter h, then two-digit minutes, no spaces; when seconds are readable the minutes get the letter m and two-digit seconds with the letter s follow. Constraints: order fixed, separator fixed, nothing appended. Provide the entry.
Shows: 7h10
